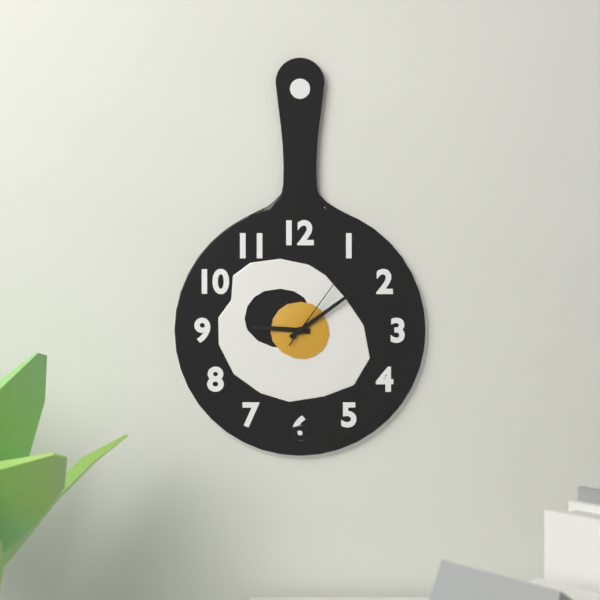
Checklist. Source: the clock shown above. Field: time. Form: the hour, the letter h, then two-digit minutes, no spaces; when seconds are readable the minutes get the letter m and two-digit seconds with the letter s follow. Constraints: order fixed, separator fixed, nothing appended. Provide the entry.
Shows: 9h09m06s
